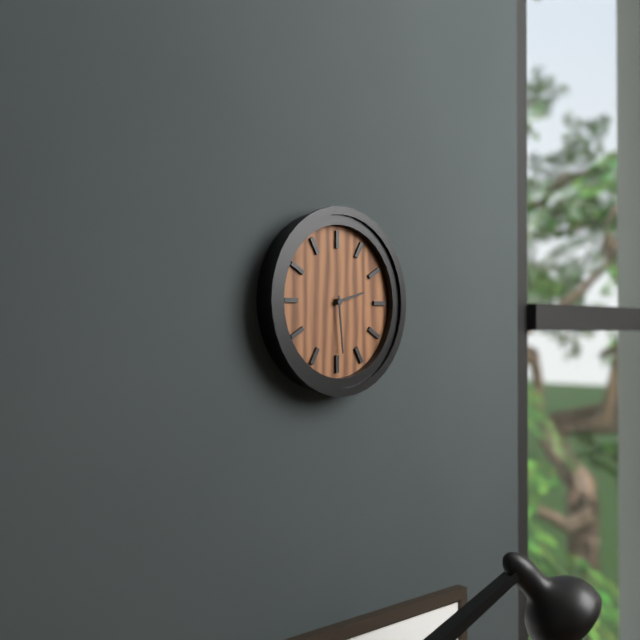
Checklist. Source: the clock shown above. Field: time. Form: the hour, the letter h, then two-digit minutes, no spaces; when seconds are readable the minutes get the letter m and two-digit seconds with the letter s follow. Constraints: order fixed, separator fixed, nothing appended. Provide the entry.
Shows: 2h29
